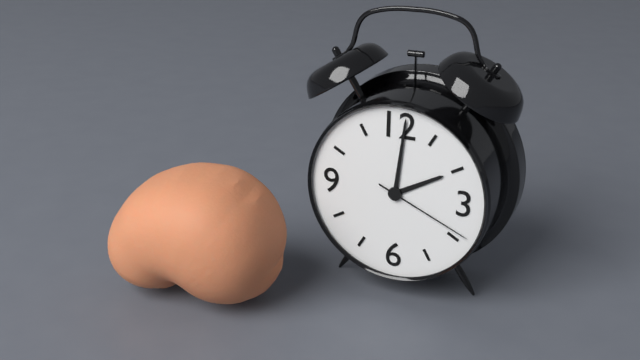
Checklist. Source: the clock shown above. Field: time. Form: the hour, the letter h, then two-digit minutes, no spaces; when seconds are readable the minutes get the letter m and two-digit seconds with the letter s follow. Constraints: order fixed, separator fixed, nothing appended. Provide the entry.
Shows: 2h01m19s
